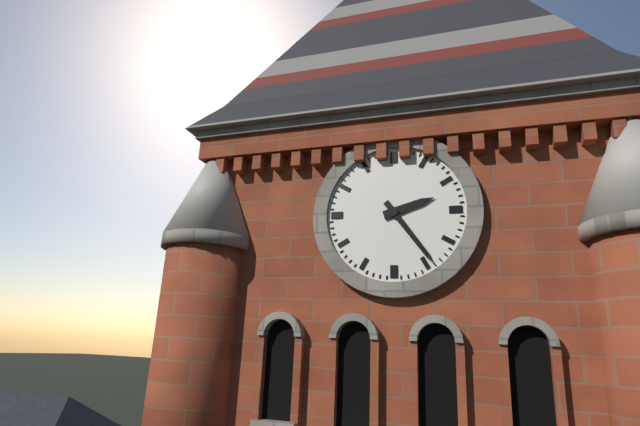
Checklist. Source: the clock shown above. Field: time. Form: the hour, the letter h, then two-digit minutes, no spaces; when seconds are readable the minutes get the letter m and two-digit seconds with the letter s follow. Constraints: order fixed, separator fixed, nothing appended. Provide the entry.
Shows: 2h24
